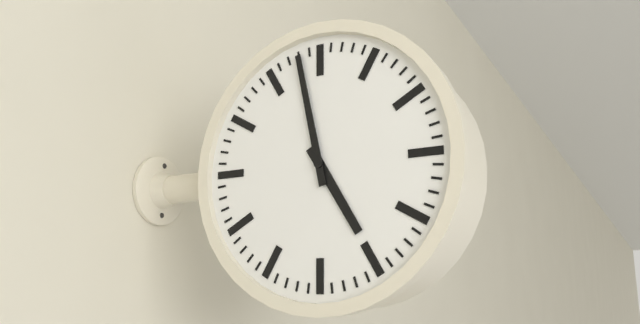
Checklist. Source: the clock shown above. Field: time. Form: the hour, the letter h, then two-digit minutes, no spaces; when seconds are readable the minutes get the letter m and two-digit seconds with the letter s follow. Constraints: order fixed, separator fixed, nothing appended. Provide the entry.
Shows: 4h58
